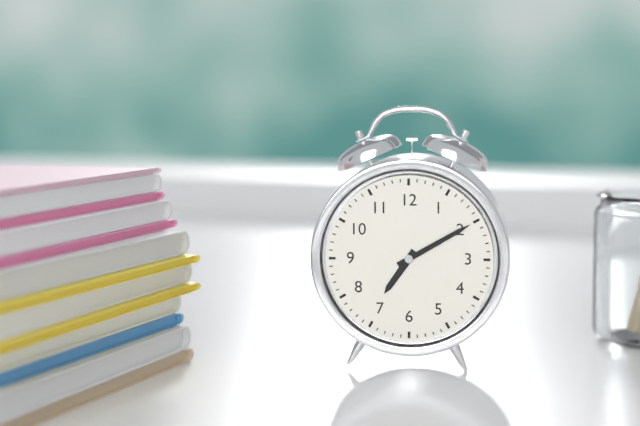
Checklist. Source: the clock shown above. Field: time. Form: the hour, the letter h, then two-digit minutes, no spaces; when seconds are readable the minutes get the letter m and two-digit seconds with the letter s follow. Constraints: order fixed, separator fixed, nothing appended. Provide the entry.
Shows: 7h10
